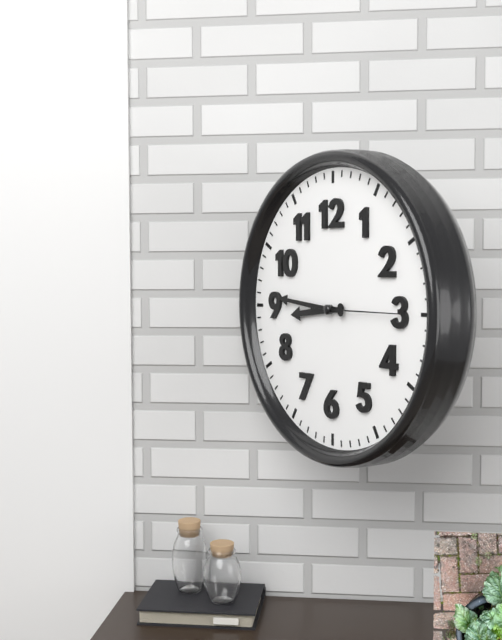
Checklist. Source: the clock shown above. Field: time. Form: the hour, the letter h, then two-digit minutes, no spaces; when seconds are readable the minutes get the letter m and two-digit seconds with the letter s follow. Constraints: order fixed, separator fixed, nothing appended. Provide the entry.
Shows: 8h46m15s
